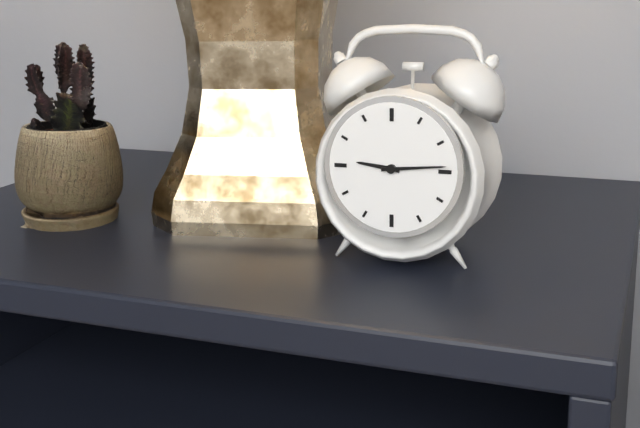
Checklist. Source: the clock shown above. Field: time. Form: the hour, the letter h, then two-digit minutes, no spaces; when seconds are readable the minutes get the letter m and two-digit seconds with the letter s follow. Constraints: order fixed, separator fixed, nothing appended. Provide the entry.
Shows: 9h14
